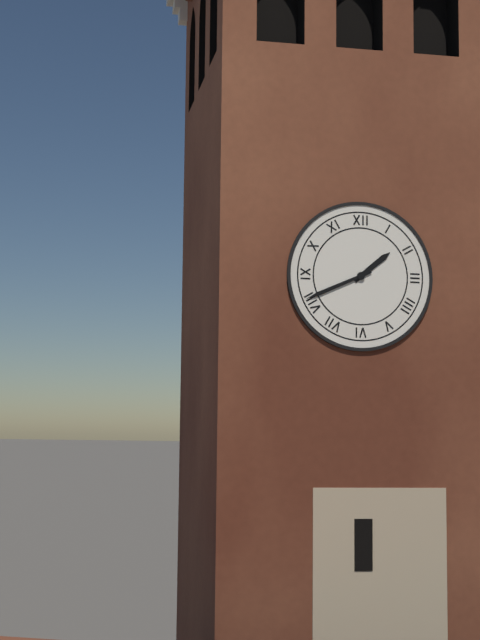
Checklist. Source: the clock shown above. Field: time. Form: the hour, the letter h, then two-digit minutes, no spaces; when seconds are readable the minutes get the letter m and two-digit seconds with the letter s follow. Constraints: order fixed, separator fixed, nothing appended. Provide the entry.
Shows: 1h41
